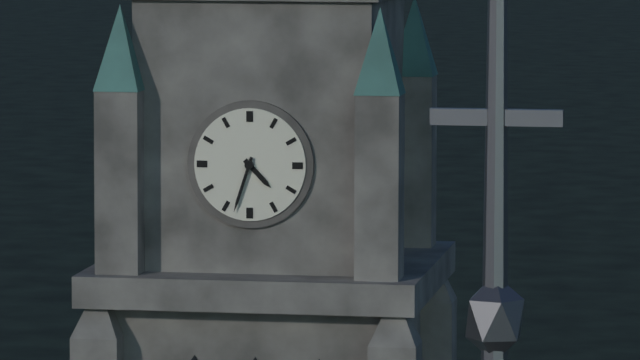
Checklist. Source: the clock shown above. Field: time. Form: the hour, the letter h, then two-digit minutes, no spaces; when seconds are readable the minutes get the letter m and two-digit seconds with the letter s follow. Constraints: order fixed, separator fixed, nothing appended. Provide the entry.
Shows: 4h33
